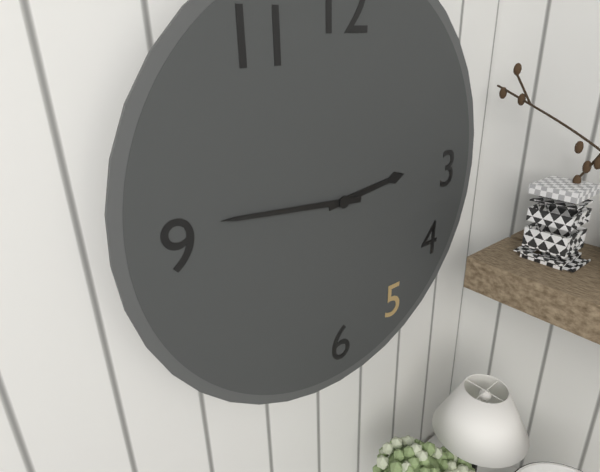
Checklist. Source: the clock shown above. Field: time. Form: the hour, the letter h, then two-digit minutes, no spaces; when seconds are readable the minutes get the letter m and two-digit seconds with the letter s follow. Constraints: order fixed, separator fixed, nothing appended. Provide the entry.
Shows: 2h46
